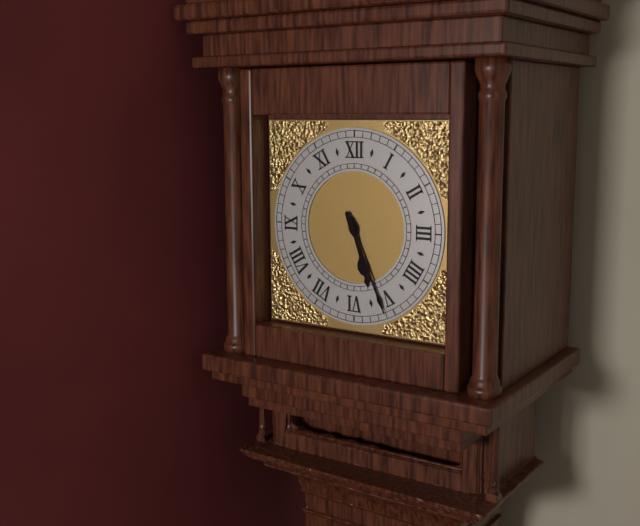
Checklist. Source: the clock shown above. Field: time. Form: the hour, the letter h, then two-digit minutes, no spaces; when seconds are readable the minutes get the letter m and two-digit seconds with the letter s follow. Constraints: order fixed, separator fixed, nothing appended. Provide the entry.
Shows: 5h26
